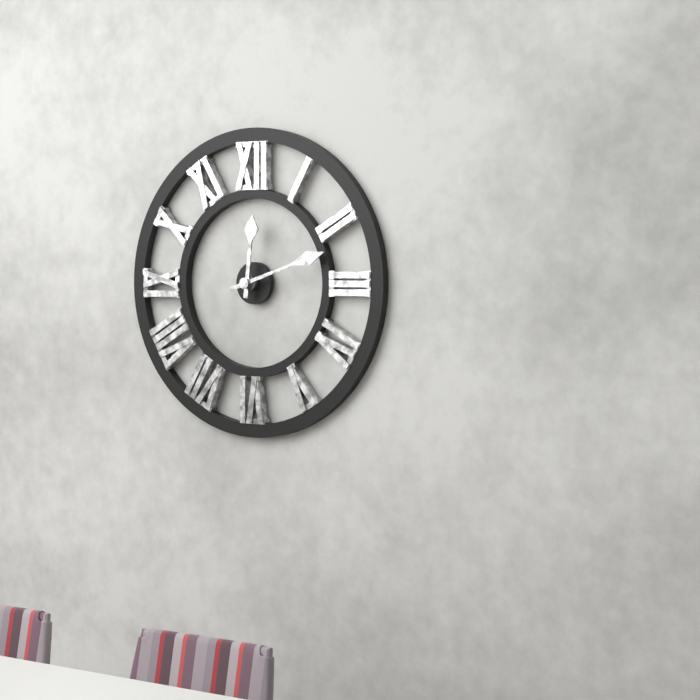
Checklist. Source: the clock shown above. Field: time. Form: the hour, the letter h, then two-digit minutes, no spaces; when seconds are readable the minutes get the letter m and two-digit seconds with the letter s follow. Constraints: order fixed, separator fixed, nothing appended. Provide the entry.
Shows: 12h12
